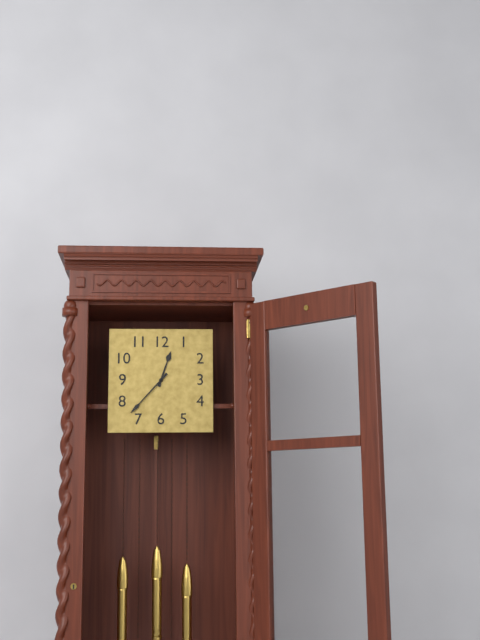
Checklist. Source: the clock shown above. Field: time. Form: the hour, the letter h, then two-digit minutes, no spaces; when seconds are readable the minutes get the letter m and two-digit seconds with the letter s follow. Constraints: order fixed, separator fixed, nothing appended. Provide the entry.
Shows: 12h37
